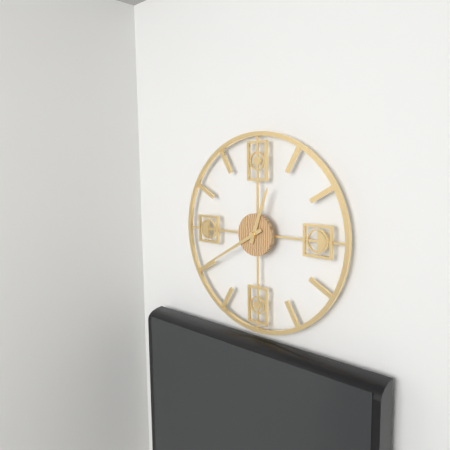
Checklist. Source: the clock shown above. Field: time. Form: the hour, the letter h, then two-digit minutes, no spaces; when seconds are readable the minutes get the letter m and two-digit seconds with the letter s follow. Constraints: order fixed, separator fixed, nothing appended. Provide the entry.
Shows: 12h40
